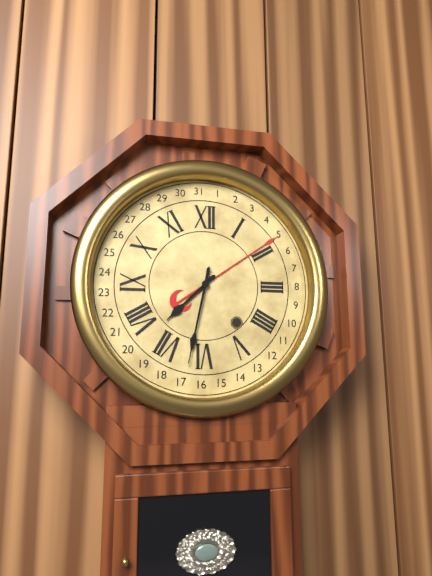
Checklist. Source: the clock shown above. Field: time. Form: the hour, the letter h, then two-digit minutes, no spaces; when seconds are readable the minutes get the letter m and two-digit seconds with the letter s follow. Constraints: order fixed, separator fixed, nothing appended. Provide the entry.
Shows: 7h32
